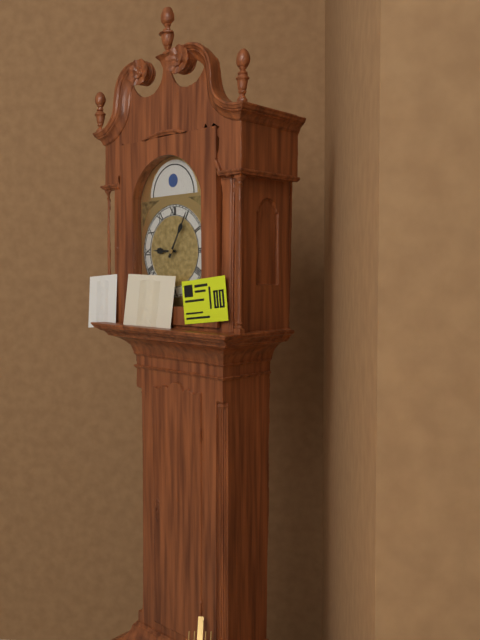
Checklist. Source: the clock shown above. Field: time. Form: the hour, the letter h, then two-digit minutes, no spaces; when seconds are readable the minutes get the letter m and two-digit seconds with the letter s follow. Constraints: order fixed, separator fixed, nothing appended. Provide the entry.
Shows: 9h05
